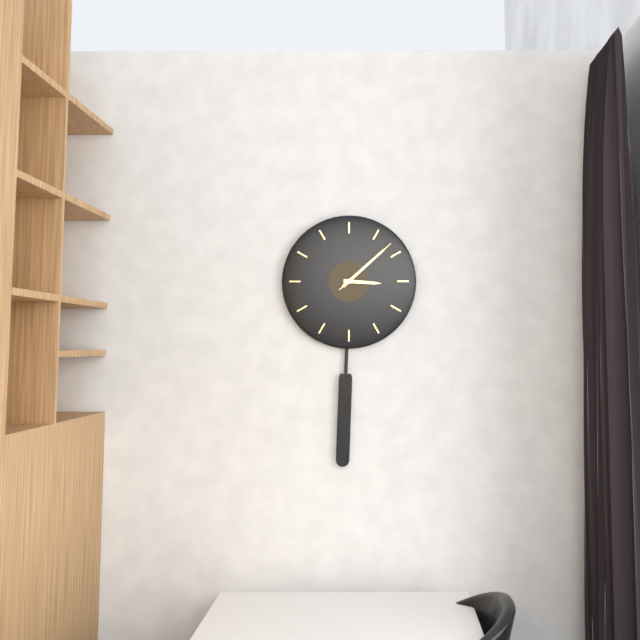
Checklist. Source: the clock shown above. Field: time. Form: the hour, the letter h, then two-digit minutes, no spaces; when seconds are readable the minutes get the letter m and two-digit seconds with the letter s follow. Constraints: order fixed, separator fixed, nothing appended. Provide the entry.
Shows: 3h08m08s
